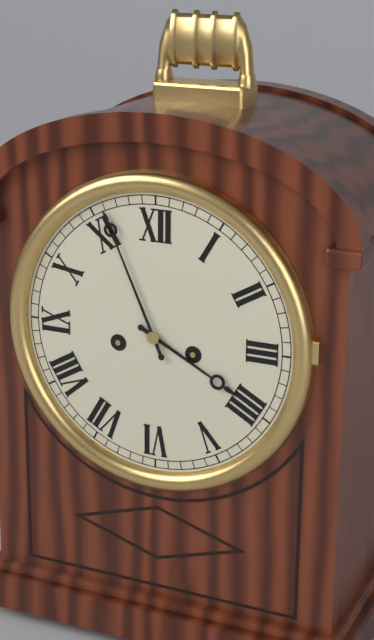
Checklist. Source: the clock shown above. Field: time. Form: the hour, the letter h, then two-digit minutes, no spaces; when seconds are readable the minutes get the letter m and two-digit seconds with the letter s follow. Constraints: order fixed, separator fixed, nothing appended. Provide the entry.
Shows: 3h56
